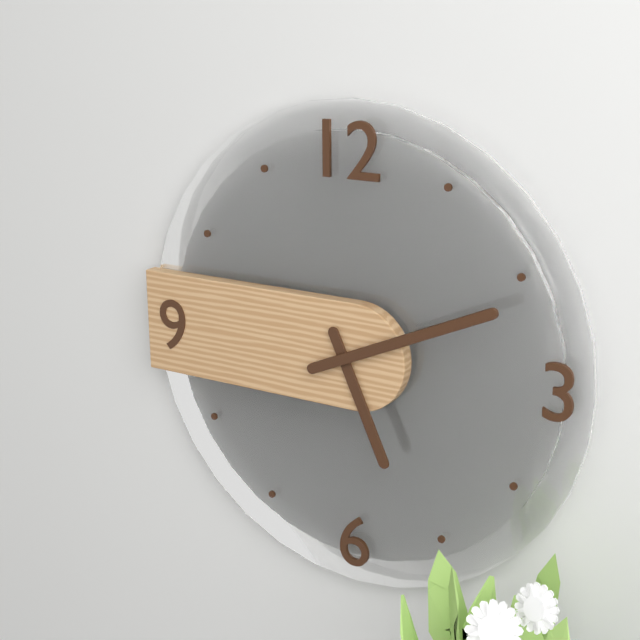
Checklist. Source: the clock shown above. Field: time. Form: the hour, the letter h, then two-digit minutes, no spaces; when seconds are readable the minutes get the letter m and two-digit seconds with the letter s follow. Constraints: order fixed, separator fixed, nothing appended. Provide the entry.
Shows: 5h11
